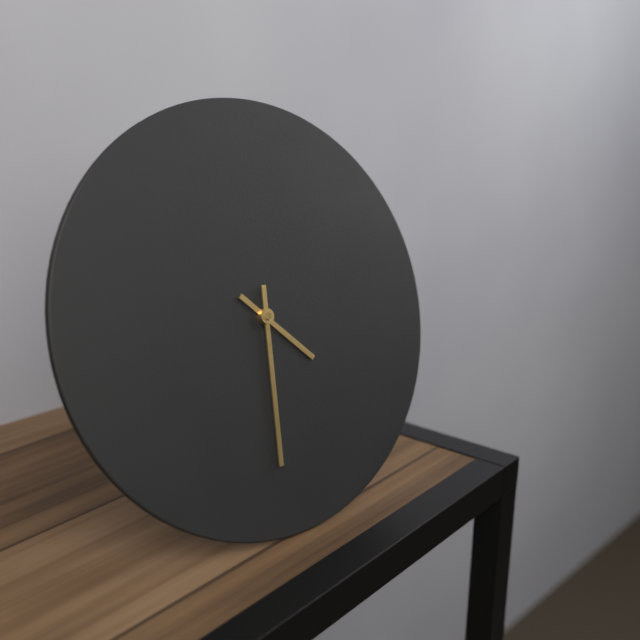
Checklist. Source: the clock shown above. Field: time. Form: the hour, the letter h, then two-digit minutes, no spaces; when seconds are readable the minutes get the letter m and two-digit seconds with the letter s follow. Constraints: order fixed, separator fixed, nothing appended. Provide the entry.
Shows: 4h31
